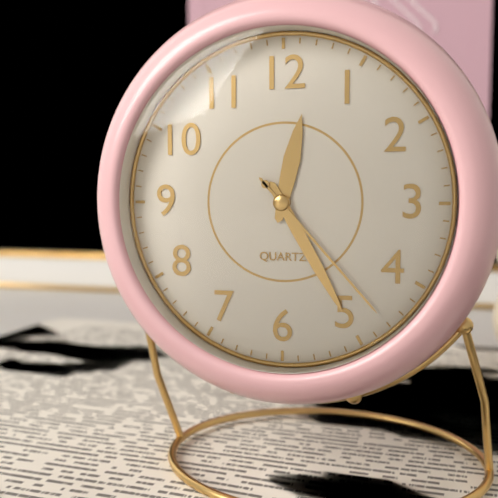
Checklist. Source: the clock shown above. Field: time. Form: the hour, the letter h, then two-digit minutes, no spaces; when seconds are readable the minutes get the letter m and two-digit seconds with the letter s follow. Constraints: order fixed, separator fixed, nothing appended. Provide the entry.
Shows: 12h25m23s
